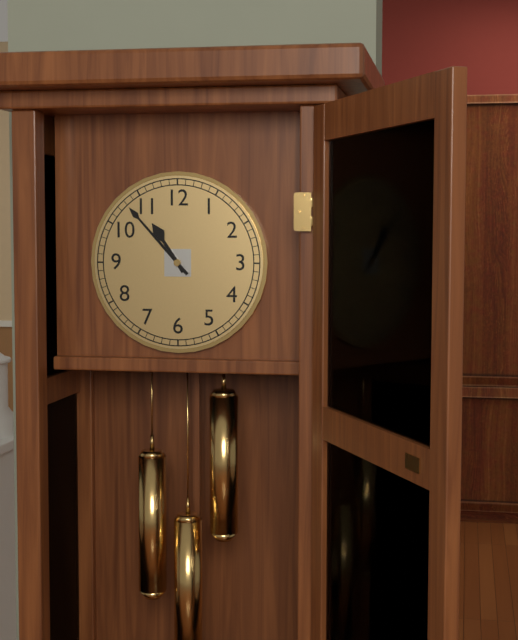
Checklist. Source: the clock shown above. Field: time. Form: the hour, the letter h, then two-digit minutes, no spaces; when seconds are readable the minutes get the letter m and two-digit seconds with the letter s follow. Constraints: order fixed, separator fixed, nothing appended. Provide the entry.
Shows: 10h53
